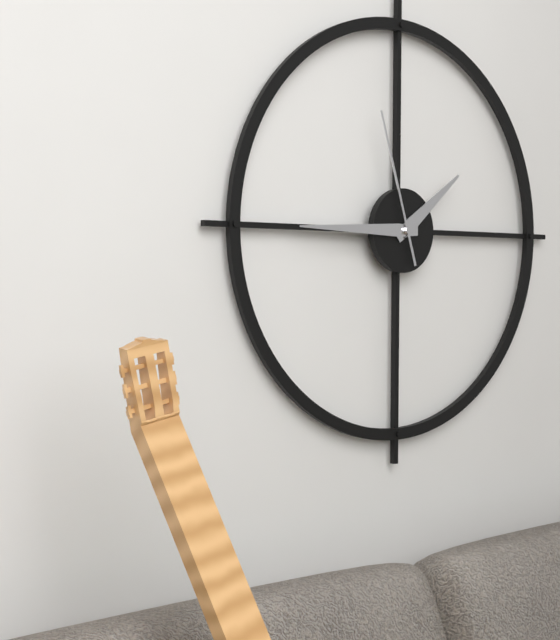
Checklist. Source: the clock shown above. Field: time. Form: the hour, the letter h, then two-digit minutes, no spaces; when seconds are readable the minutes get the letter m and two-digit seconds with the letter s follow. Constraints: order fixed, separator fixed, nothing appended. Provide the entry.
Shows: 1h45m57s
